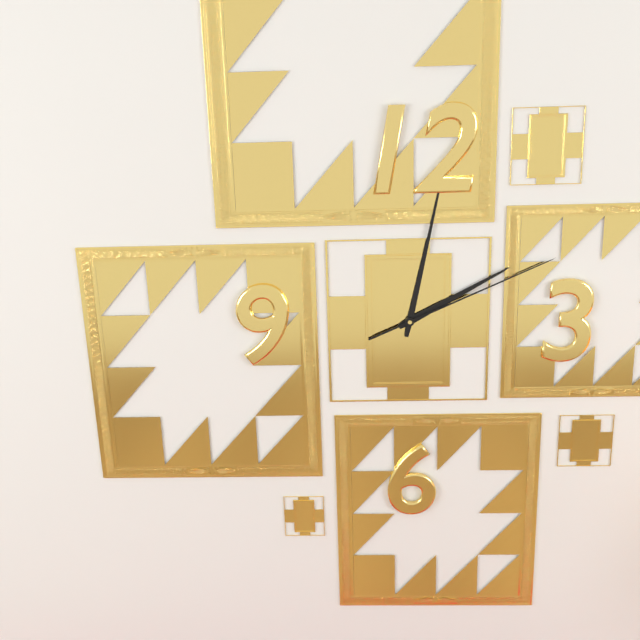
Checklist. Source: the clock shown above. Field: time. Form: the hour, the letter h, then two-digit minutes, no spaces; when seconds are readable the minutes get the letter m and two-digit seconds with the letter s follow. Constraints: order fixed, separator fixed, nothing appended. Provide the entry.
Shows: 2h02m11s
